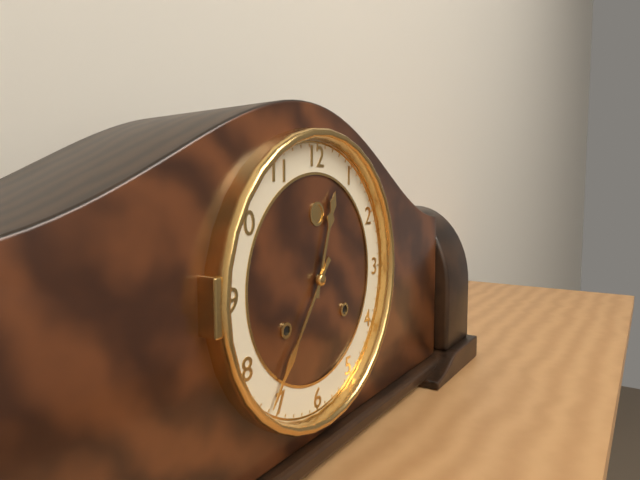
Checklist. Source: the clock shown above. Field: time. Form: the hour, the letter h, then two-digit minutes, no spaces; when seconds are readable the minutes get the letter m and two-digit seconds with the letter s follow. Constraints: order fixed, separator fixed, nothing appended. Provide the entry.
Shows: 12h36
